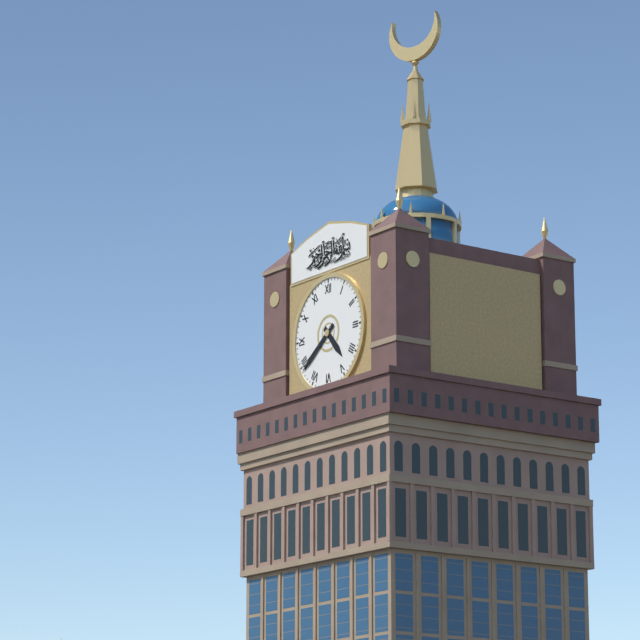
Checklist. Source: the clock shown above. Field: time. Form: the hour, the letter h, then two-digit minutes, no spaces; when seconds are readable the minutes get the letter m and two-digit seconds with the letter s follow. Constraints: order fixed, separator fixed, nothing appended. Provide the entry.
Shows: 4h39
